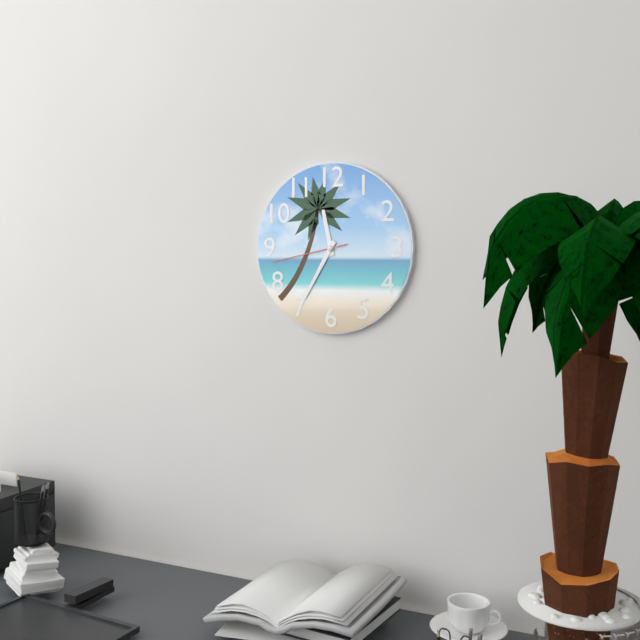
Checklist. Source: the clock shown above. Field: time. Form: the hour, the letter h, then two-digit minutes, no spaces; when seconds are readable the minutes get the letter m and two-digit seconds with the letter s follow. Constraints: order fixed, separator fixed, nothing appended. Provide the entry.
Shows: 11h35m43s
